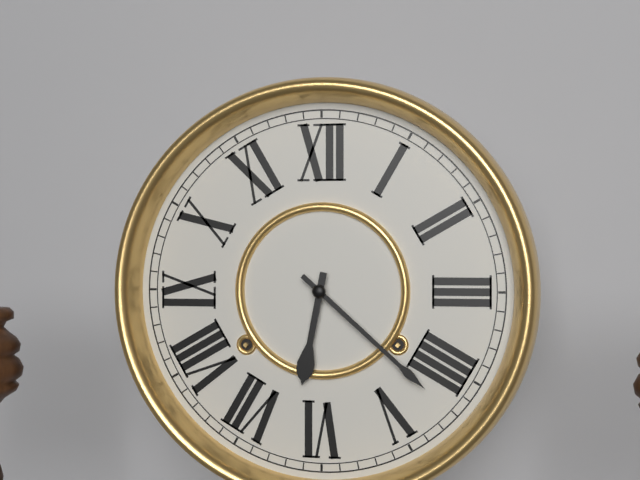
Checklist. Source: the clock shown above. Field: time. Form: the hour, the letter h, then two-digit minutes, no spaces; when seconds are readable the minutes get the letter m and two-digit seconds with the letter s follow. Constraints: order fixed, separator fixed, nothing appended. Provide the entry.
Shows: 6h22
